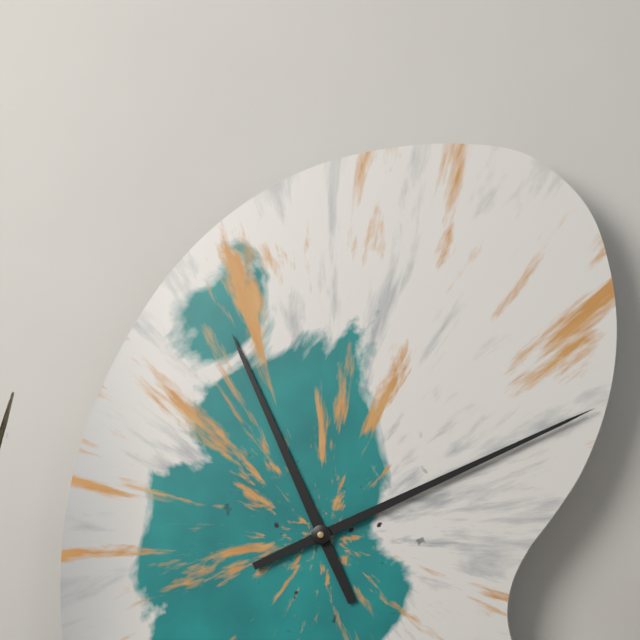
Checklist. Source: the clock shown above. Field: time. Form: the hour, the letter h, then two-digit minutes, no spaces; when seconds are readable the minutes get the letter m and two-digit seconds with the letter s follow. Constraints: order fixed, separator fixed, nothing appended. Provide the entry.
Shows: 11h11
